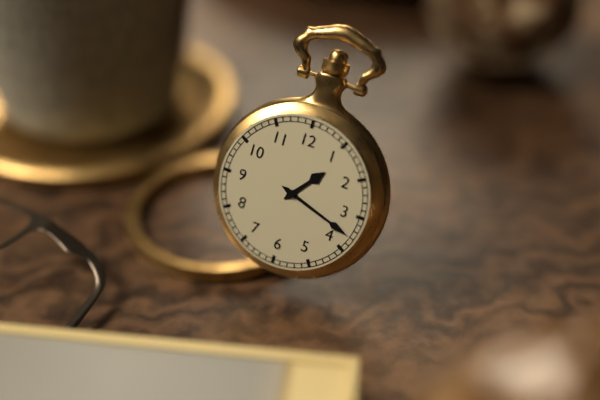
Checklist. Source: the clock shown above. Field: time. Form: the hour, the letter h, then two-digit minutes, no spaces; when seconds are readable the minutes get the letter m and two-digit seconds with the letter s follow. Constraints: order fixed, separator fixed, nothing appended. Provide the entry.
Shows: 1h18
